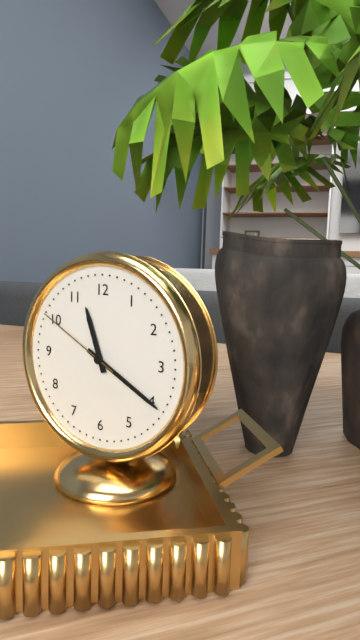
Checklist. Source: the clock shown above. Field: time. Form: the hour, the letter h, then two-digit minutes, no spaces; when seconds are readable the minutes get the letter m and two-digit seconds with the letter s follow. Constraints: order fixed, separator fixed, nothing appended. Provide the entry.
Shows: 11h20m50s
